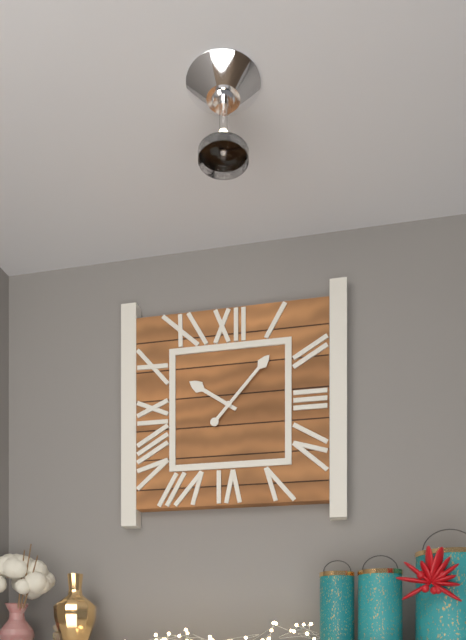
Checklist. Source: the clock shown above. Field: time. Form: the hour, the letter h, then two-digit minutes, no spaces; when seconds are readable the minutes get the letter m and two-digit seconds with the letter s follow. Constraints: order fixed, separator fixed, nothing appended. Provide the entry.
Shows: 10h07
